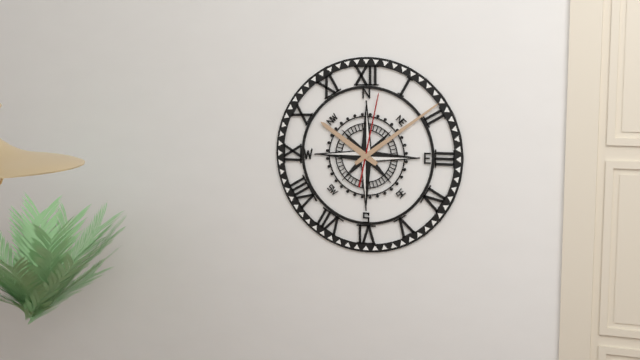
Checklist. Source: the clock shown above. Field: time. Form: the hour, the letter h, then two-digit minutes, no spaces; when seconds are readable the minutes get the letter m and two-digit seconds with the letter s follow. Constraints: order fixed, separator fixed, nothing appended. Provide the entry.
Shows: 10h09m02s
